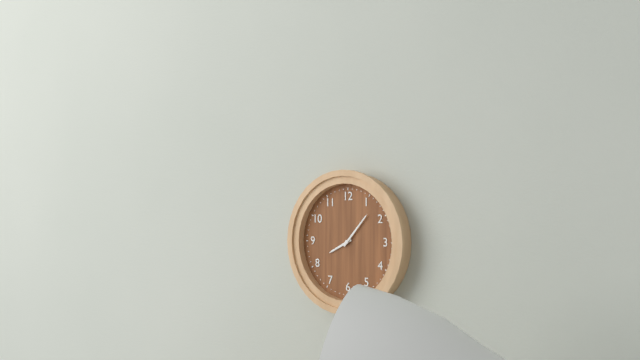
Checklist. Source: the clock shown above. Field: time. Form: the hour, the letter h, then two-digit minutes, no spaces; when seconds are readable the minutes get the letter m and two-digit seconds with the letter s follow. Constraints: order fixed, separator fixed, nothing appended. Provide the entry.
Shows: 8h07
